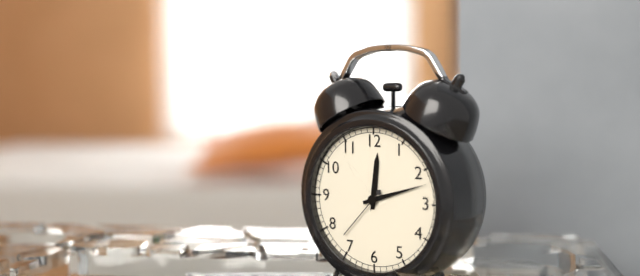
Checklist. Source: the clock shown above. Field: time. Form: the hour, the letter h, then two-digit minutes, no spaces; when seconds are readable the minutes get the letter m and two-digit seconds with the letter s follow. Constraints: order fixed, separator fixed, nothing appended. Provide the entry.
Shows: 12h12m37s
